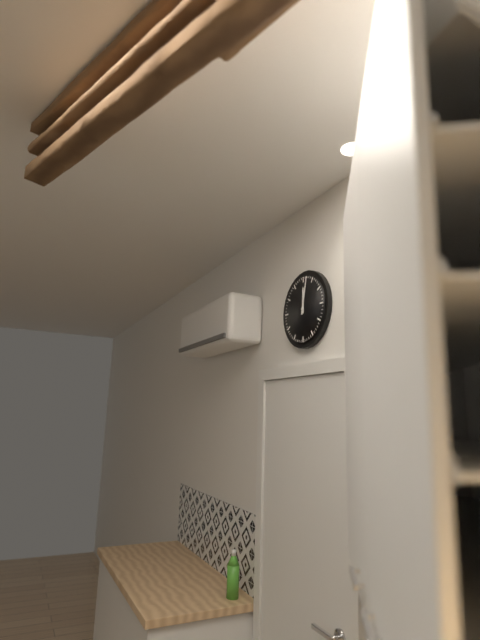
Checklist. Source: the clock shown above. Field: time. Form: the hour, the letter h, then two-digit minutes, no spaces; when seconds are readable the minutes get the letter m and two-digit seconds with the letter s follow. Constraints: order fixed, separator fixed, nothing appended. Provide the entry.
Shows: 12h02
